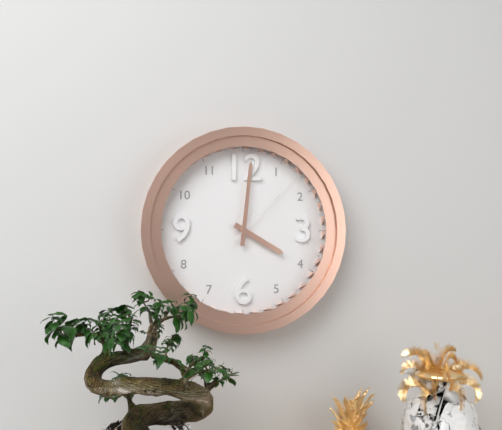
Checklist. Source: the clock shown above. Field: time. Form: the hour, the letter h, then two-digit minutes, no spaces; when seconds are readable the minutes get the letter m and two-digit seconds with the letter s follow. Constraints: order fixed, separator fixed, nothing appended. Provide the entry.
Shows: 4h01m07s
